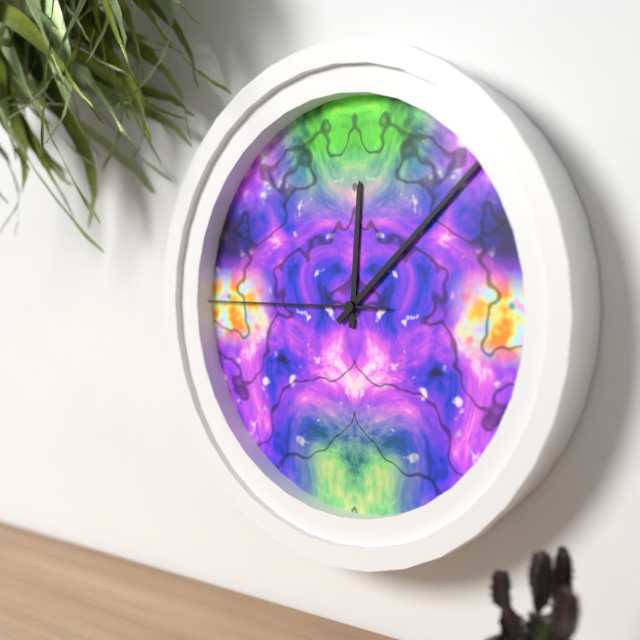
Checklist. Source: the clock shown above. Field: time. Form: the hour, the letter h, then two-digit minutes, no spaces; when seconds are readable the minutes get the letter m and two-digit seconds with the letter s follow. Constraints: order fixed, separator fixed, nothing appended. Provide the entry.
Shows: 12h08m45s
